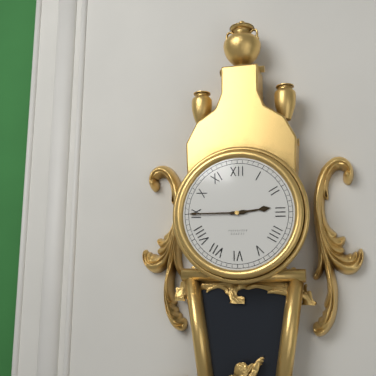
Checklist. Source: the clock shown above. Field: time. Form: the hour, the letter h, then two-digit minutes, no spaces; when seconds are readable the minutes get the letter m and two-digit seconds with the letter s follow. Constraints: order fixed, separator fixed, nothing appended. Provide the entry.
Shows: 2h45
